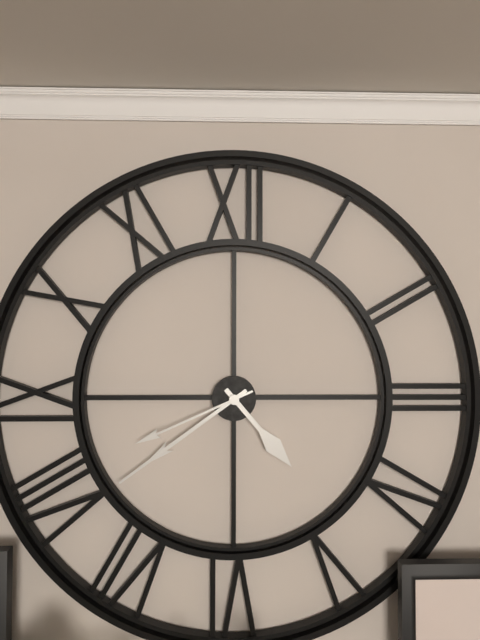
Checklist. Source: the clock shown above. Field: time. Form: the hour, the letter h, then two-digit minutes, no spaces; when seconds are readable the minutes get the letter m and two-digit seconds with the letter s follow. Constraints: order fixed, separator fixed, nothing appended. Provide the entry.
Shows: 4h39m41s
